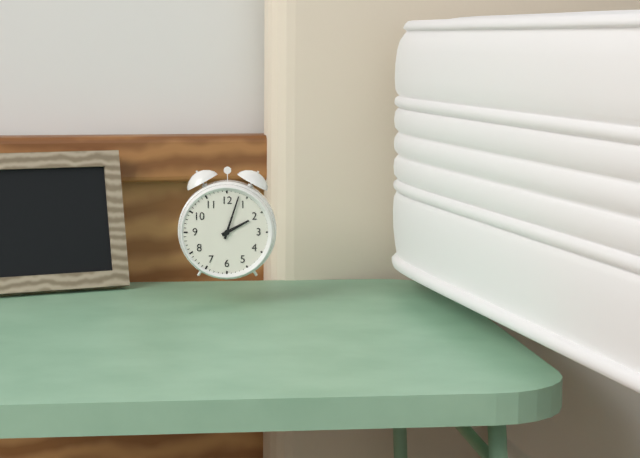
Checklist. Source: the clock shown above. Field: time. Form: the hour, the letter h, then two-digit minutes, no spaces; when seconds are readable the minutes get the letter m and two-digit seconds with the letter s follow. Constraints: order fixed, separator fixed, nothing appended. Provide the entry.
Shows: 2h03
